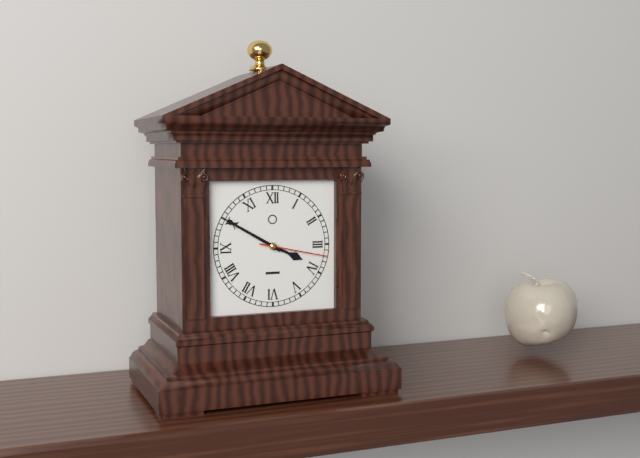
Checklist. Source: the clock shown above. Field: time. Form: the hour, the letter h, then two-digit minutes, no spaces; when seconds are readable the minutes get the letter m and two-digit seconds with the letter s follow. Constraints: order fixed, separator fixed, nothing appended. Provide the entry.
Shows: 3h50m17s
